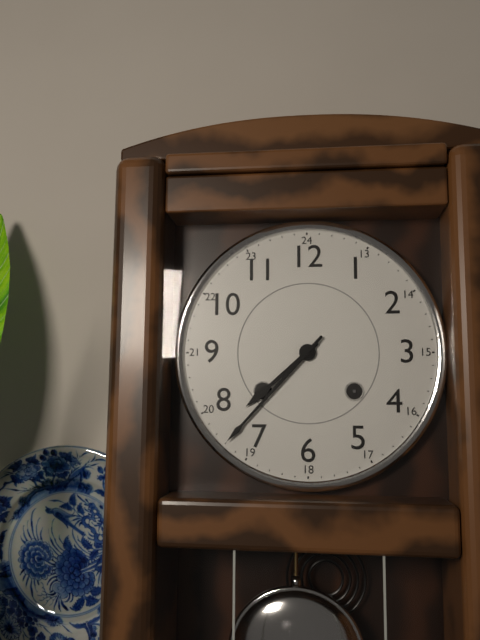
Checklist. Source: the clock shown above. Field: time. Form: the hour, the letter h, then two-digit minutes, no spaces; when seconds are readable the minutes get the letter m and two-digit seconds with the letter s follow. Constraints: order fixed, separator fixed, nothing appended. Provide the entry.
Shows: 7h37
